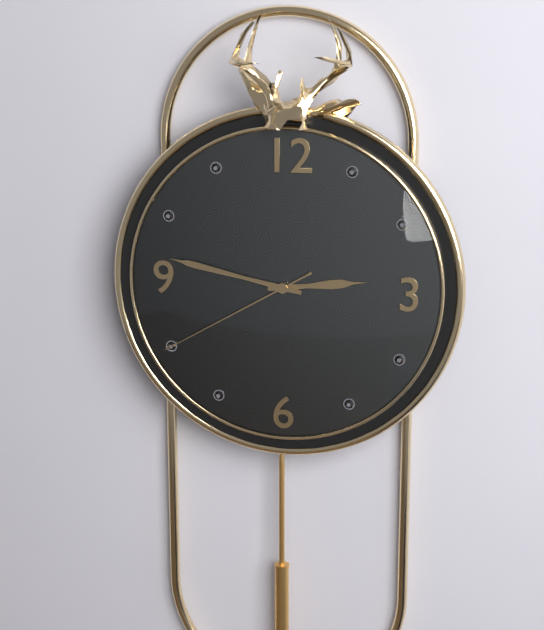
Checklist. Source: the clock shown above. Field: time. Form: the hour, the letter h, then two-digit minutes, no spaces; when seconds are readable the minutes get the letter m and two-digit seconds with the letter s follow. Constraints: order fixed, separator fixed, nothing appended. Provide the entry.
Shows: 2h47m40s
